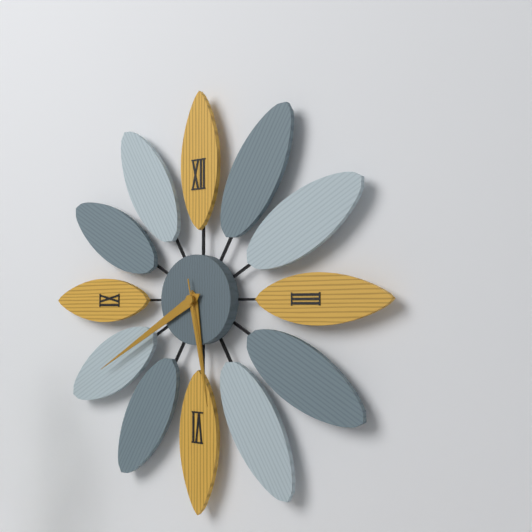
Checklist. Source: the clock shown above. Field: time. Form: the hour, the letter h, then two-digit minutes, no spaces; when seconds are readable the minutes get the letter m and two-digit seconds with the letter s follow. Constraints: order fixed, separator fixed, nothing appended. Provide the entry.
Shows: 5h40m28s
